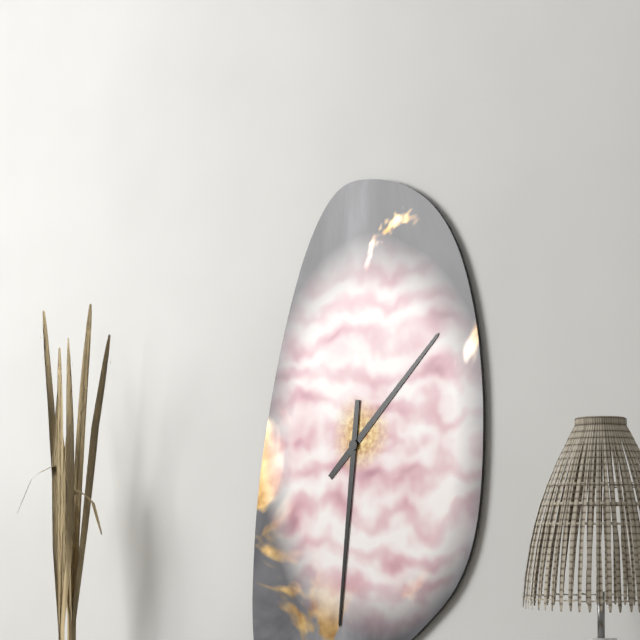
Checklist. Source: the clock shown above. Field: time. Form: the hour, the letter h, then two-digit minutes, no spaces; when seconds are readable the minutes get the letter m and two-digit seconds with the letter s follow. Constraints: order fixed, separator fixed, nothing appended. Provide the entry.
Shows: 1h31
